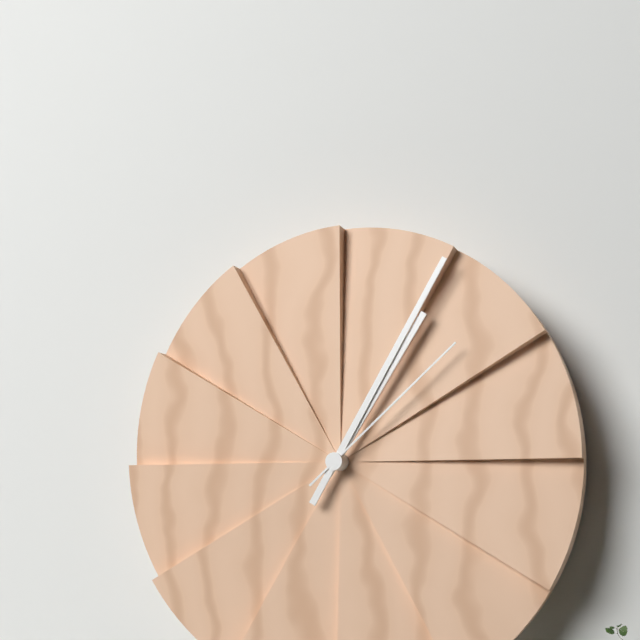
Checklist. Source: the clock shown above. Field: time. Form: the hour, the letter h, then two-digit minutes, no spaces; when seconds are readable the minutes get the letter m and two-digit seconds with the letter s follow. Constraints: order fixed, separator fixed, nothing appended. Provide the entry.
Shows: 1h05m08s
